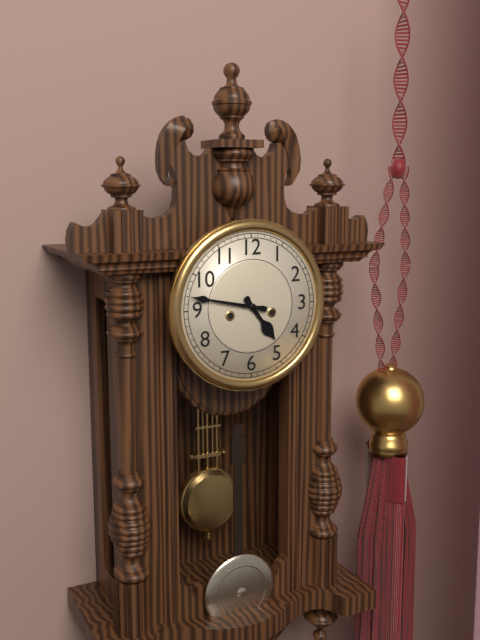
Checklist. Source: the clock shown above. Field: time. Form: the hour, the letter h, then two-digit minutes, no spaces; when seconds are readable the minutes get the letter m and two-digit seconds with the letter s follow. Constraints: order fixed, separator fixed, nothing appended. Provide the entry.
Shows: 4h47
